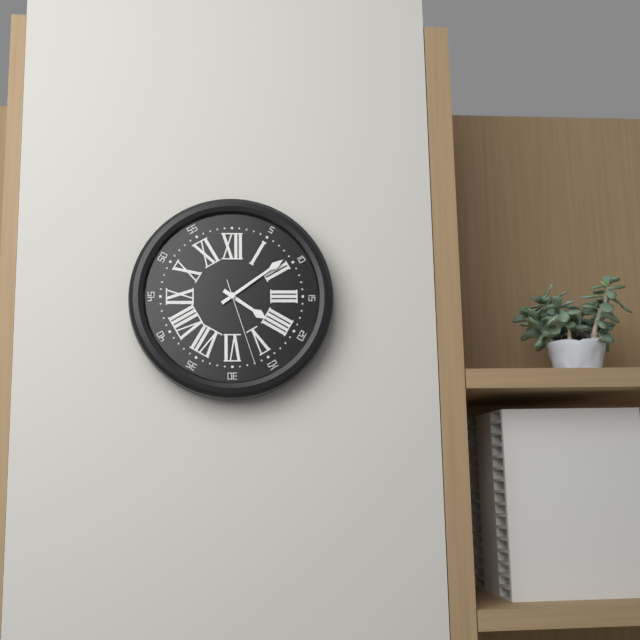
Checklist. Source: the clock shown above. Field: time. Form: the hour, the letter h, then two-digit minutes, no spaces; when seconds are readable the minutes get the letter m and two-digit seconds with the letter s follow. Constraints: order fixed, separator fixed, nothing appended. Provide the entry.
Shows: 4h09m27s
